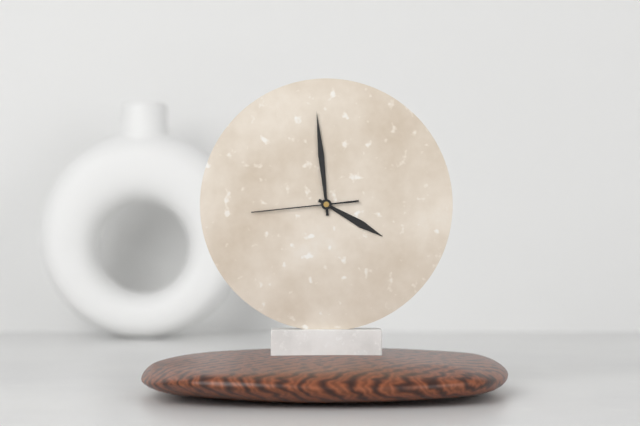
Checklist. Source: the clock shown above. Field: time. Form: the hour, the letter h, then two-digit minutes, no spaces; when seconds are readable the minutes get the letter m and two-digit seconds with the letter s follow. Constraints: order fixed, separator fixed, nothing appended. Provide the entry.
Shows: 3h59m44s
